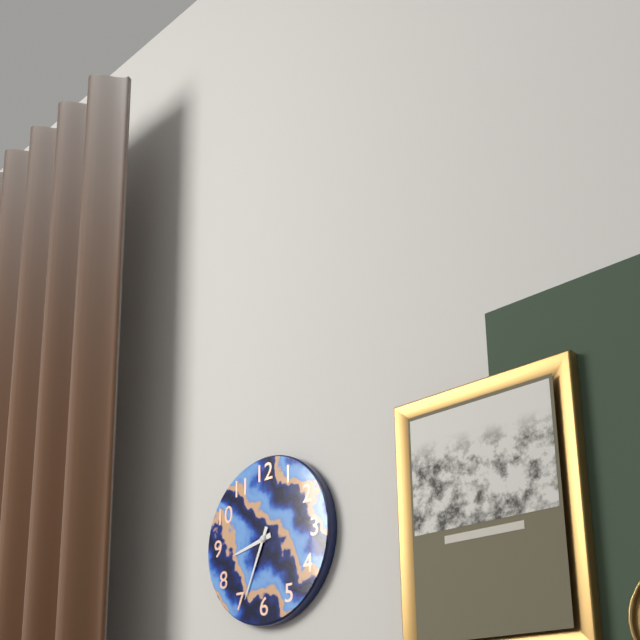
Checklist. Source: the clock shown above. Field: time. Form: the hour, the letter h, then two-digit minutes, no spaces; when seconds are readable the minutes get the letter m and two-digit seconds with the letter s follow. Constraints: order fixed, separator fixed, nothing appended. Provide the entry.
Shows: 8h34
